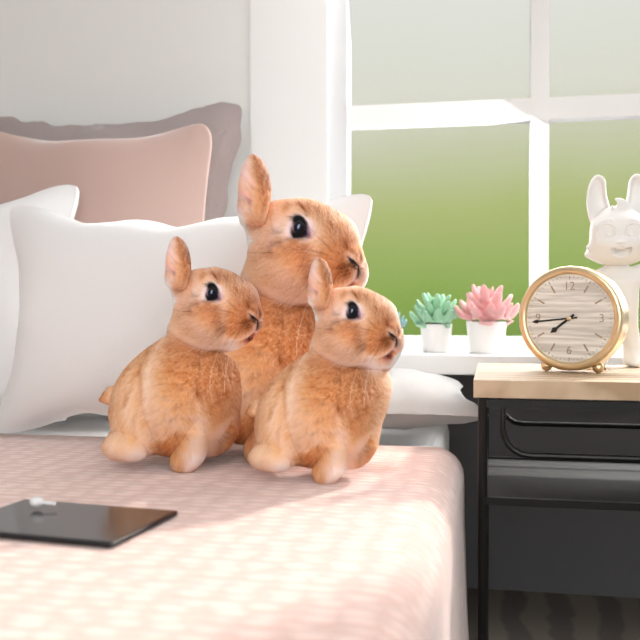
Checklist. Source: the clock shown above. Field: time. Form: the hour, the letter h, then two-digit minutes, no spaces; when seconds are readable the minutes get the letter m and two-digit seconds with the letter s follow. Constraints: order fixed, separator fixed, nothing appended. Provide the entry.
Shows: 7h44
